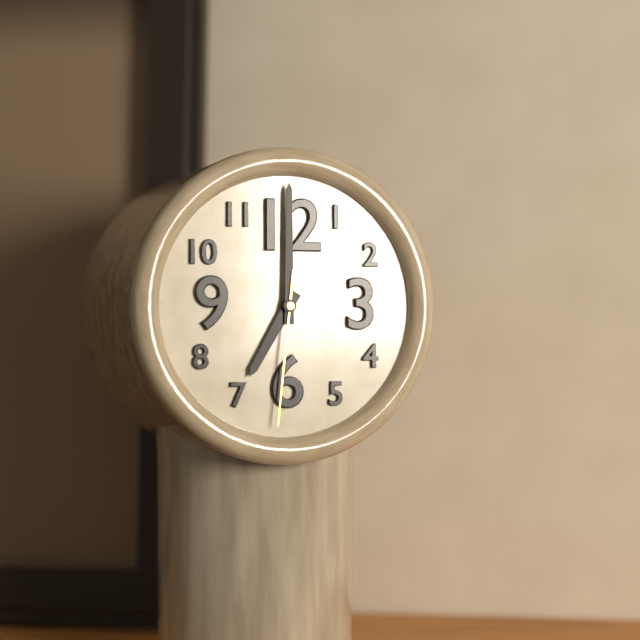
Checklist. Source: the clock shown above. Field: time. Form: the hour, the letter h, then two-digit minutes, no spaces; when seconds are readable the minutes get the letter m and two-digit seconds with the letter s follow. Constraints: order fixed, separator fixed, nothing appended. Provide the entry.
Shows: 7h00m31s
